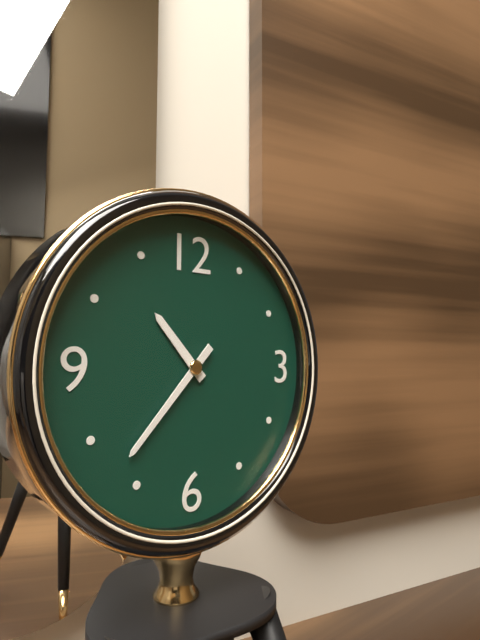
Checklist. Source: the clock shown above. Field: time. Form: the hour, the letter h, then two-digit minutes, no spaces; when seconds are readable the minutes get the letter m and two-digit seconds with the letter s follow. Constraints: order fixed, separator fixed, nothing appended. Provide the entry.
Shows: 10h37
